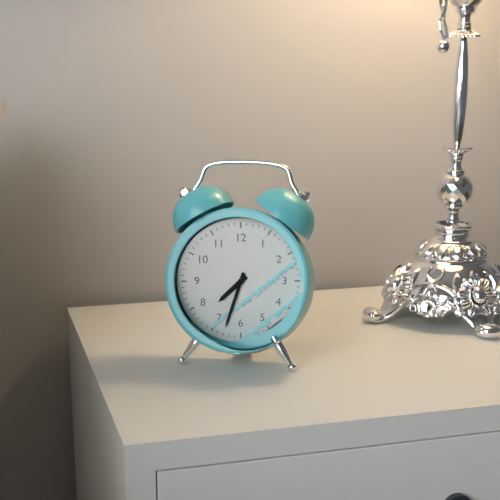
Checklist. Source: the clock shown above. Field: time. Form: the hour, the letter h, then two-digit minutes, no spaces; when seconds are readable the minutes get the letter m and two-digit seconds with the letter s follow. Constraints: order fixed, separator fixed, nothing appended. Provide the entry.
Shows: 7h33
